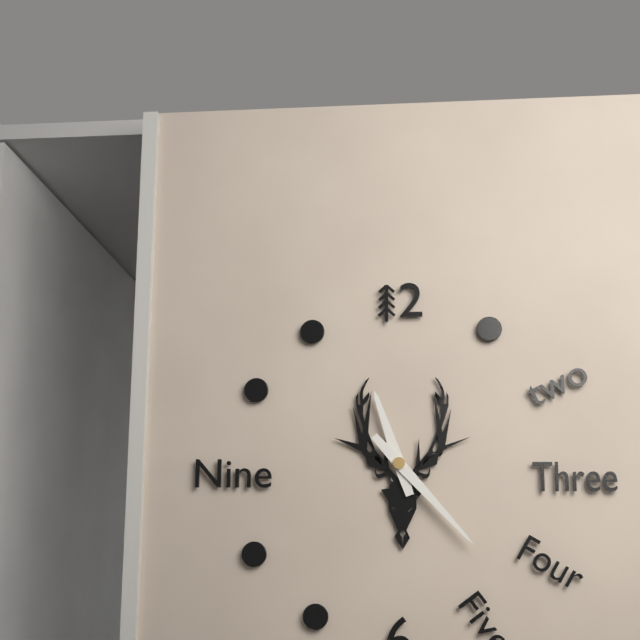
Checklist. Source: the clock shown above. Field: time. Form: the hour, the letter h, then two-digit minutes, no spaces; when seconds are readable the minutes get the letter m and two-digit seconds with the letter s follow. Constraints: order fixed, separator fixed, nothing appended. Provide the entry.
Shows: 11h23
